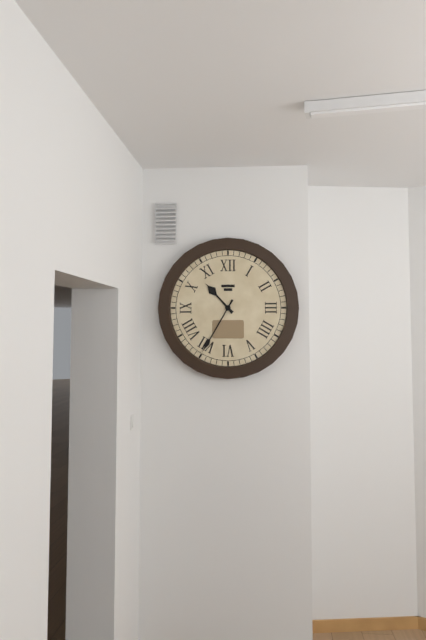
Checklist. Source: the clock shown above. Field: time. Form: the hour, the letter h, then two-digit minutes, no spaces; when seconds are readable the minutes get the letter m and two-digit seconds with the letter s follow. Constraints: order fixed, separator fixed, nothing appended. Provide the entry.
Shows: 10h35
